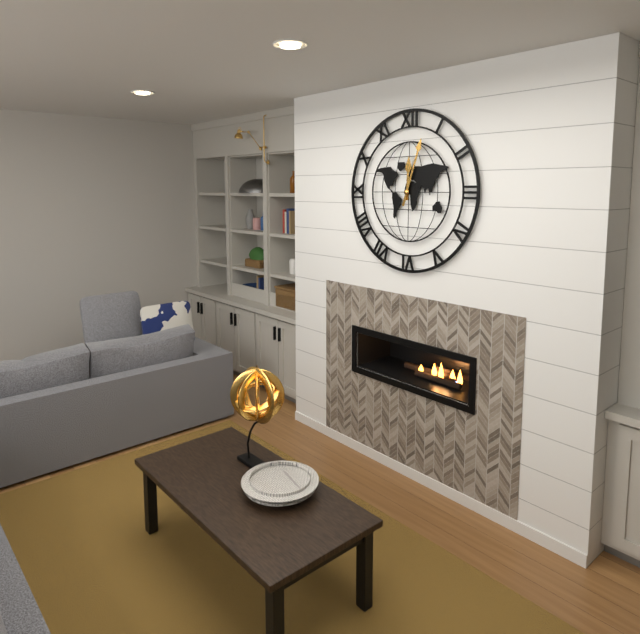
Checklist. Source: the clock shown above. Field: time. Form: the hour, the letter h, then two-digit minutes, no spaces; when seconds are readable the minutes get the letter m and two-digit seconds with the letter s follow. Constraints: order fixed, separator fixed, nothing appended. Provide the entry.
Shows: 12h03
